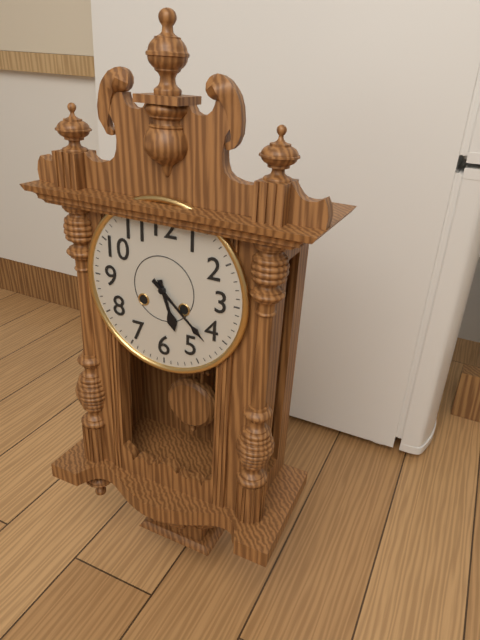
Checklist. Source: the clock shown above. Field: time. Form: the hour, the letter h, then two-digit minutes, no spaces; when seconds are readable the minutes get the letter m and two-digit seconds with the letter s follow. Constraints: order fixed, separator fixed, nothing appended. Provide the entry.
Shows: 5h22
